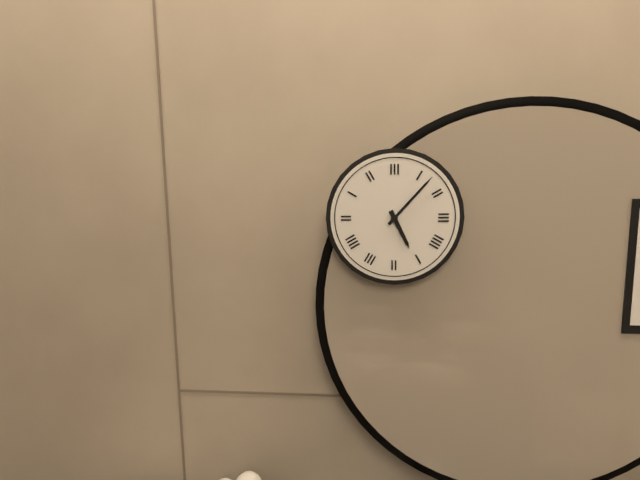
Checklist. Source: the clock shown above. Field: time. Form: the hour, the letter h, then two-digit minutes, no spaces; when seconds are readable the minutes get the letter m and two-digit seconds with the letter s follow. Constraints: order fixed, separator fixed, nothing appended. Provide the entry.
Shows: 5h07
